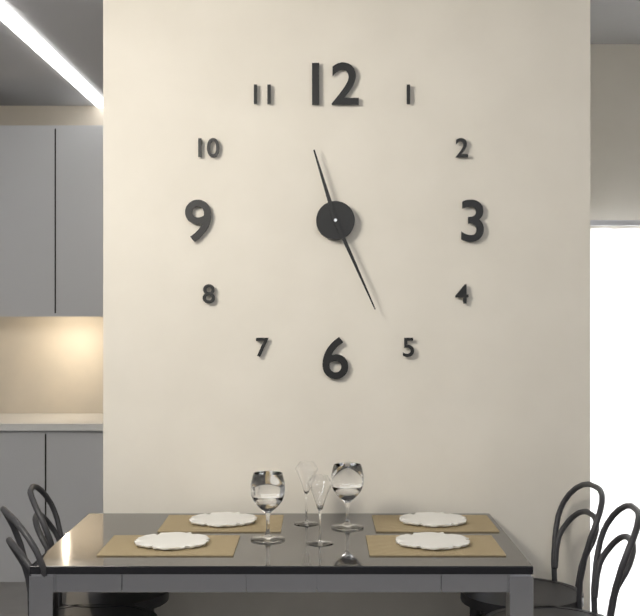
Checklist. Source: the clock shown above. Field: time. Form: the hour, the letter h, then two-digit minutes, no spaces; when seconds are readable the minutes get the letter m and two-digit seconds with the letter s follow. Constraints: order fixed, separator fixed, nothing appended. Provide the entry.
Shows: 11h26
